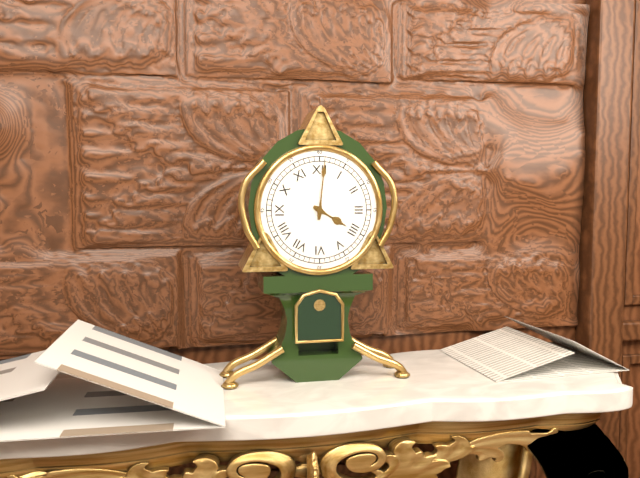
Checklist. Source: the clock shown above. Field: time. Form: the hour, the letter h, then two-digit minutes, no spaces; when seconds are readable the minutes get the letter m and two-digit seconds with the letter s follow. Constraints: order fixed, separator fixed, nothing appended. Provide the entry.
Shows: 4h01
